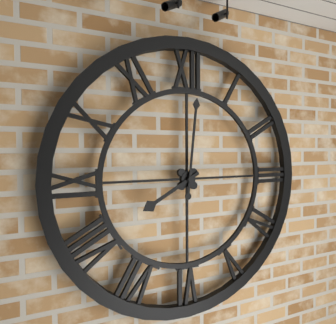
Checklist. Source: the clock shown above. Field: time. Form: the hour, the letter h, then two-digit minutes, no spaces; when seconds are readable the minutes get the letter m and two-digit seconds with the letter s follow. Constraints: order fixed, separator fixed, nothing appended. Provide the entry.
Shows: 8h01
